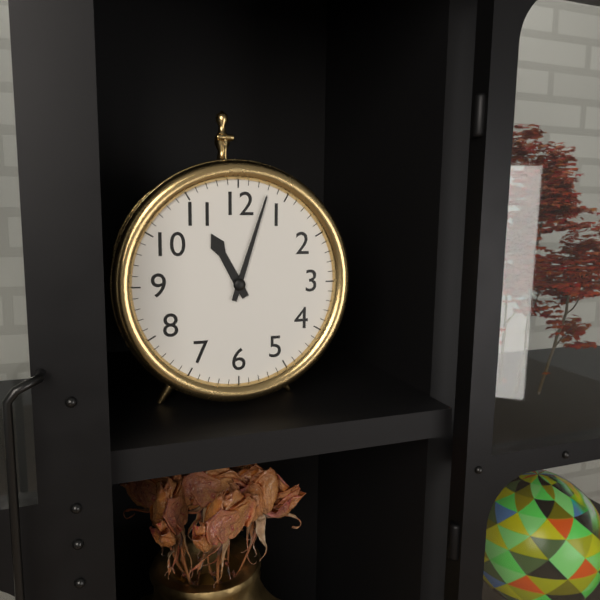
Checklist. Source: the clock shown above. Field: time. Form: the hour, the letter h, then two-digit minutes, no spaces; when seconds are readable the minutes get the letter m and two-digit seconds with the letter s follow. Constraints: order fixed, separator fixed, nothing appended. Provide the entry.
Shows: 11h03
